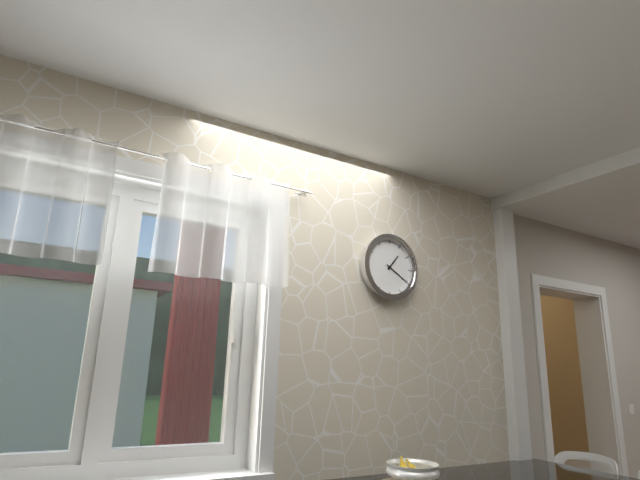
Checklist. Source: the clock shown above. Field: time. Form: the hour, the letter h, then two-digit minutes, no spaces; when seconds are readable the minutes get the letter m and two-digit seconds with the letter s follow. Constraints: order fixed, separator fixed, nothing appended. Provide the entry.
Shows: 1h20
